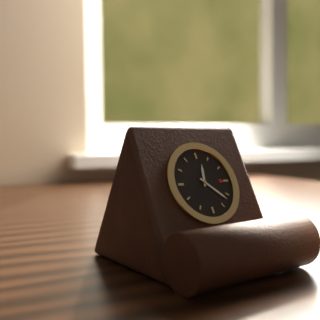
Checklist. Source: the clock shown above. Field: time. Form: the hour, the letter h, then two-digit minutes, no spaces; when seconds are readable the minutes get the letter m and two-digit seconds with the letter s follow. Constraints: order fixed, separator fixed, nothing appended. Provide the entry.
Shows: 12h22
